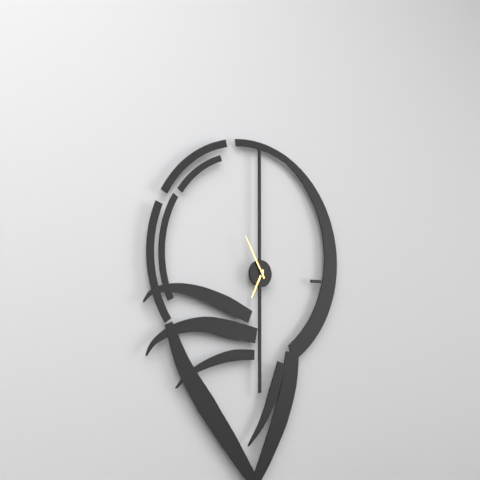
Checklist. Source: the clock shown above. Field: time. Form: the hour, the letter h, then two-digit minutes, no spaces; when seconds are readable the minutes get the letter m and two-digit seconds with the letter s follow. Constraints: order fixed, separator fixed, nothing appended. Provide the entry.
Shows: 6h55
